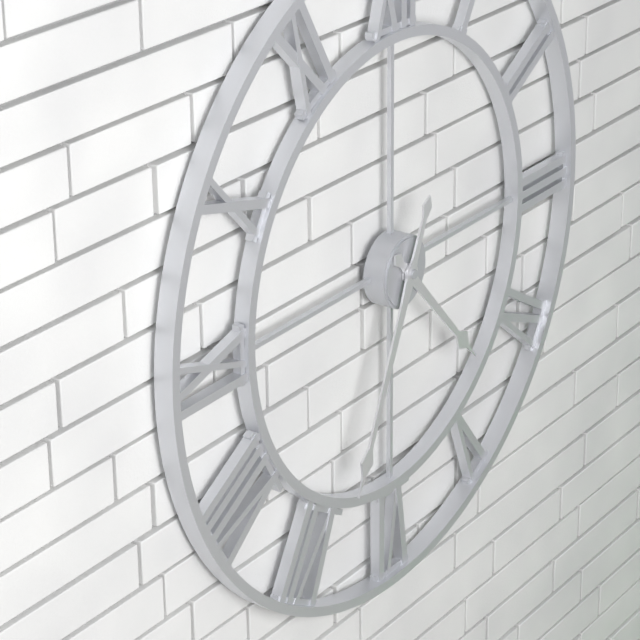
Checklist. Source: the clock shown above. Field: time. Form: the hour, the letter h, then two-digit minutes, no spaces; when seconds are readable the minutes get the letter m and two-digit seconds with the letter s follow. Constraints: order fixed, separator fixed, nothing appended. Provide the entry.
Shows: 4h34
